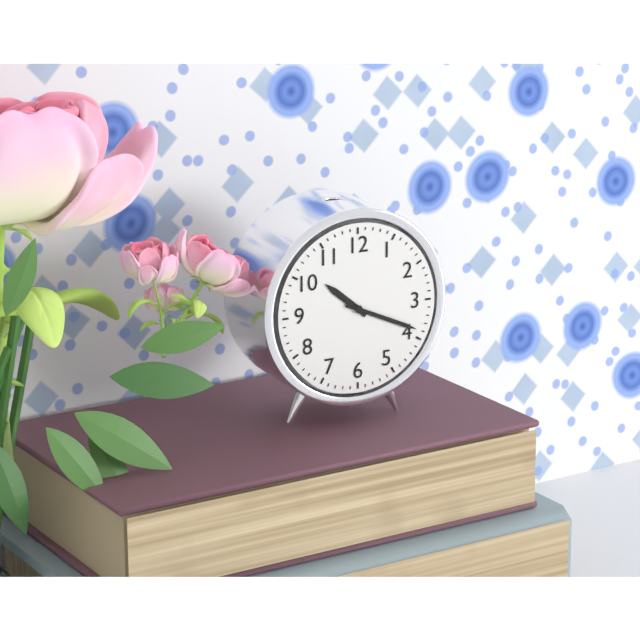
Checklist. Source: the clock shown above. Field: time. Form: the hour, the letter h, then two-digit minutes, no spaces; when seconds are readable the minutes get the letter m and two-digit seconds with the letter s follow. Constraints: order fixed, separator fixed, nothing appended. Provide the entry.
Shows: 10h19
